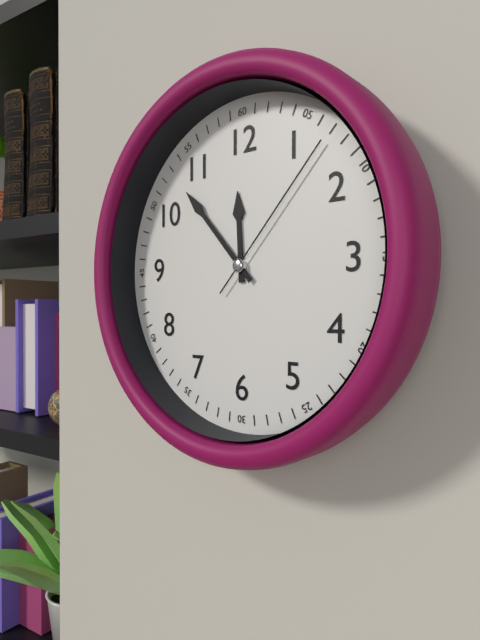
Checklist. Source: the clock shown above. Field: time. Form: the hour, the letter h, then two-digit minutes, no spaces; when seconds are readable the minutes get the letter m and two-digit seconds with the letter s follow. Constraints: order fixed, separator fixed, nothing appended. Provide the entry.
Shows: 11h53m07s
